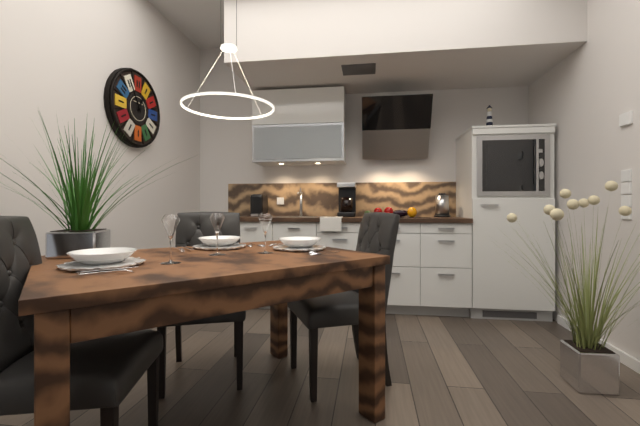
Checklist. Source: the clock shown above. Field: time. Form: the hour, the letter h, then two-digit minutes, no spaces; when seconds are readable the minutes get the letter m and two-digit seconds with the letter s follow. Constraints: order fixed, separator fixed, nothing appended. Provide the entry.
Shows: 12h55
